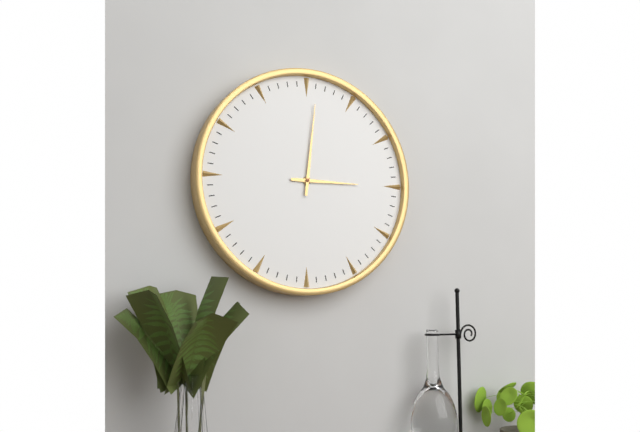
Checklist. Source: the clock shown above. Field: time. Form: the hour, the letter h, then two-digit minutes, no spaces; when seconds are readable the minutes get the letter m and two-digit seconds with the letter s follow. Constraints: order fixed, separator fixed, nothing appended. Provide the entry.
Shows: 3h01
